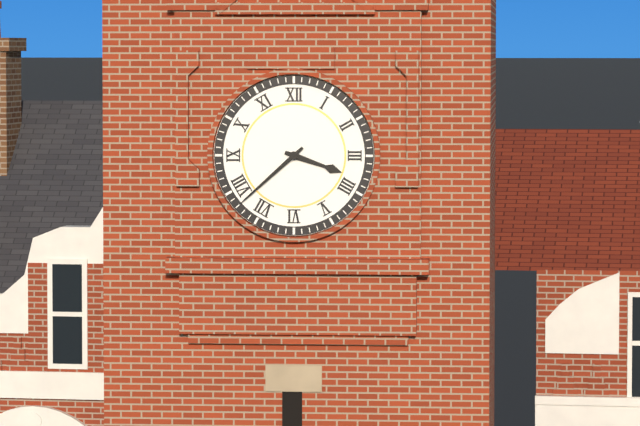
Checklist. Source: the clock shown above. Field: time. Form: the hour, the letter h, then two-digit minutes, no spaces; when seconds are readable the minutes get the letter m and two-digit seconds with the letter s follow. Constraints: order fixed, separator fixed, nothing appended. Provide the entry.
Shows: 3h38
